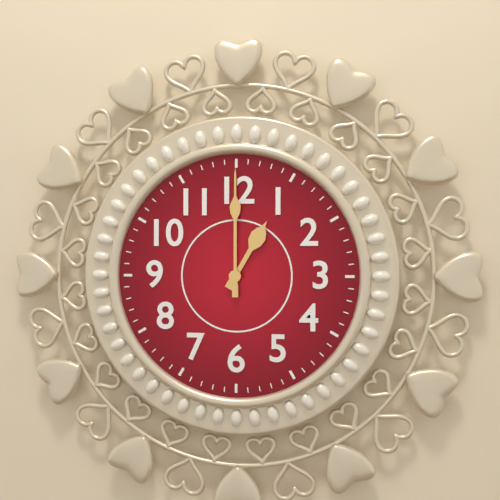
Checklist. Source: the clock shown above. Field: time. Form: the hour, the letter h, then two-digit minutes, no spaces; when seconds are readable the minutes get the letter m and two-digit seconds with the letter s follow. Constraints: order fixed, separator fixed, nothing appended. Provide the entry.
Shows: 1h00
